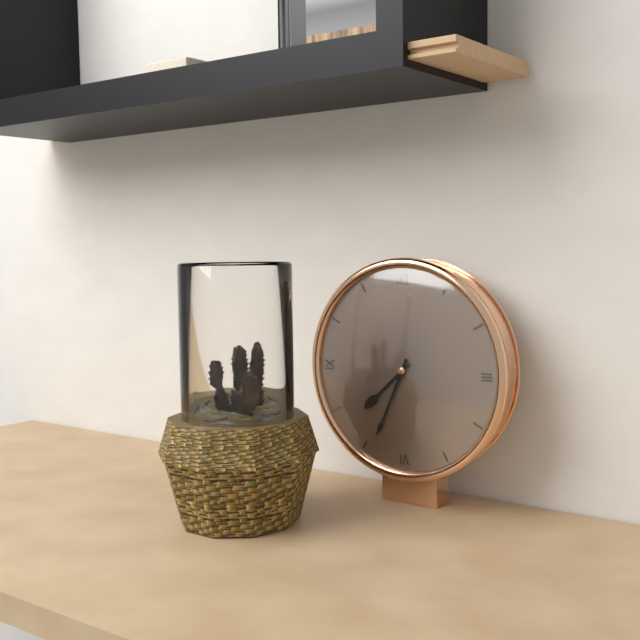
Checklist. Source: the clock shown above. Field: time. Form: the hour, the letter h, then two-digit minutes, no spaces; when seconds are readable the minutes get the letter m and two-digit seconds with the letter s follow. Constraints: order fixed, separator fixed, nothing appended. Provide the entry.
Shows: 7h34
